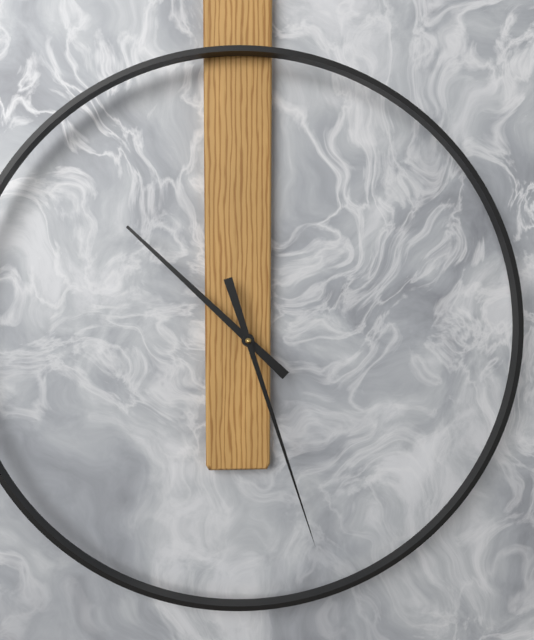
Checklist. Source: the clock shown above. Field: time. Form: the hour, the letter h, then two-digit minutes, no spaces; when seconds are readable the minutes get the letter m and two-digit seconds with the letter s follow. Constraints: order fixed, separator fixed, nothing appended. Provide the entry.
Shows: 10h27
